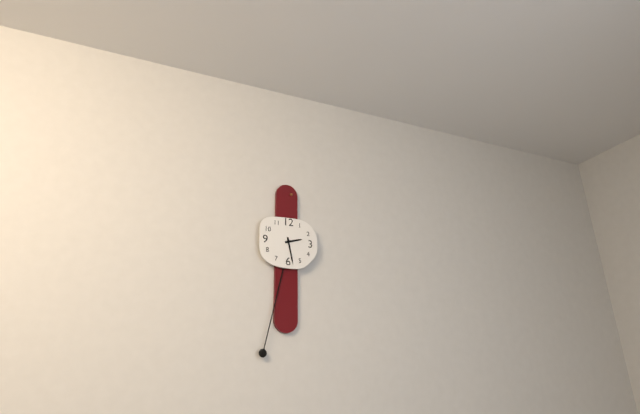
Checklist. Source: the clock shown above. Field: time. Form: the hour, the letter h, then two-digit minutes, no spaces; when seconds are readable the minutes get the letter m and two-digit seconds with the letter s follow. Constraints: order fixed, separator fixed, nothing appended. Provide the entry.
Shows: 2h28
